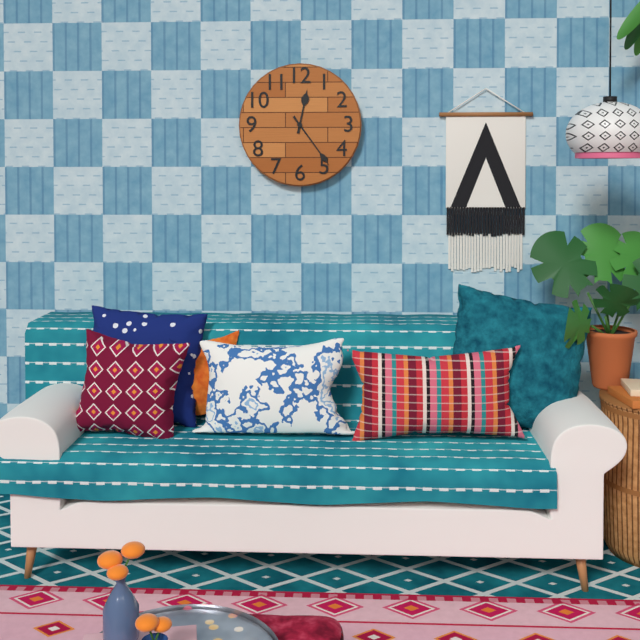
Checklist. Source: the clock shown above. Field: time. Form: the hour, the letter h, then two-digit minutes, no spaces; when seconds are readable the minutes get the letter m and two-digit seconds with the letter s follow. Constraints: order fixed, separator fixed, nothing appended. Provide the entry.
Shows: 12h24
